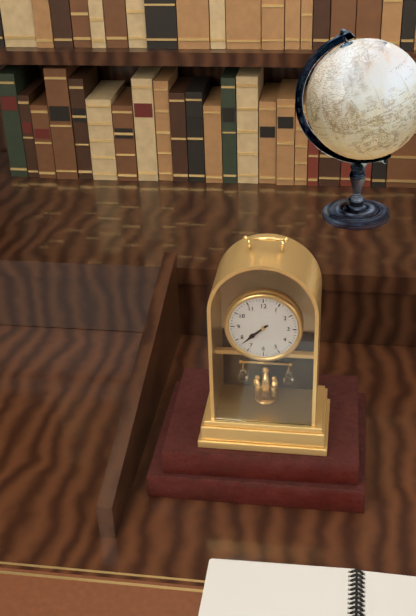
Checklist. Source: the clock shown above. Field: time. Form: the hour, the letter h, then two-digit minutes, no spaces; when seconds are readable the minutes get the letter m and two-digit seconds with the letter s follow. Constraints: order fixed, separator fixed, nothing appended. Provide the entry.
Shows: 7h38
